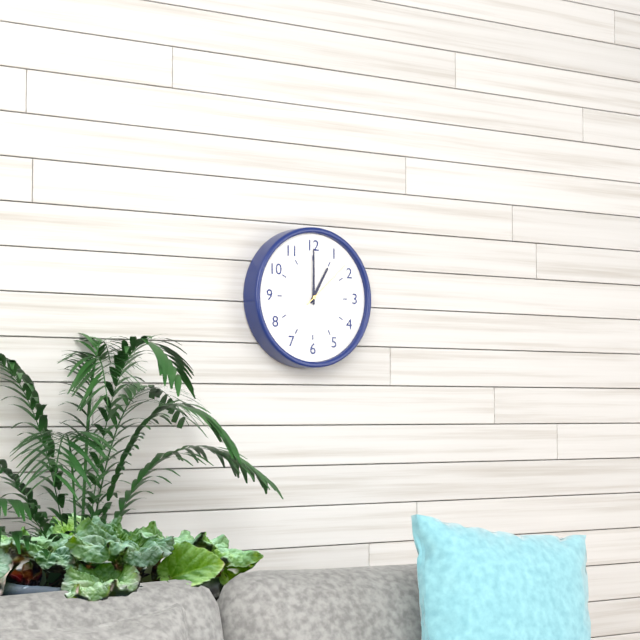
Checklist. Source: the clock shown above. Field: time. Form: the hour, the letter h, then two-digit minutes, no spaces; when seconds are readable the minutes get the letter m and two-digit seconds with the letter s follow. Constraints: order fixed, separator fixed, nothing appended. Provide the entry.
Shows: 1h00m08s
